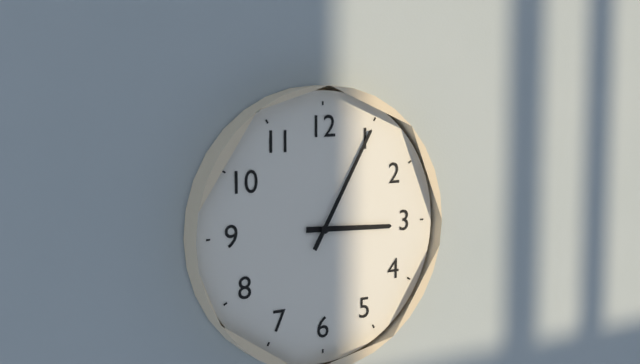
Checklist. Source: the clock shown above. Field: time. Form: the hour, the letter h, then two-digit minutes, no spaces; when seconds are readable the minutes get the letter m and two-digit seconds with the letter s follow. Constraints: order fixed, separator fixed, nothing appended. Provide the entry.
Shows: 3h05
